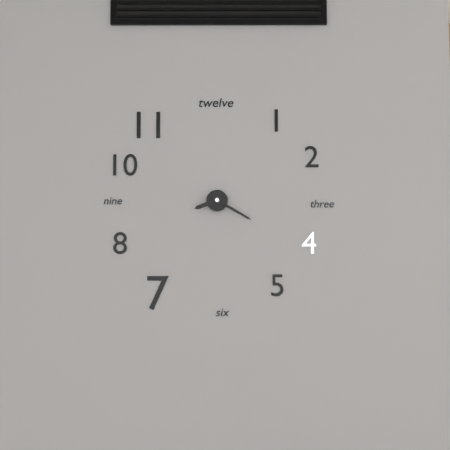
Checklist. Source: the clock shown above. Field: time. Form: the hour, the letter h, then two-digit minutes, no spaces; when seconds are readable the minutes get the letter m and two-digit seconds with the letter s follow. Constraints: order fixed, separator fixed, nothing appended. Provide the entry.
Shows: 8h20
